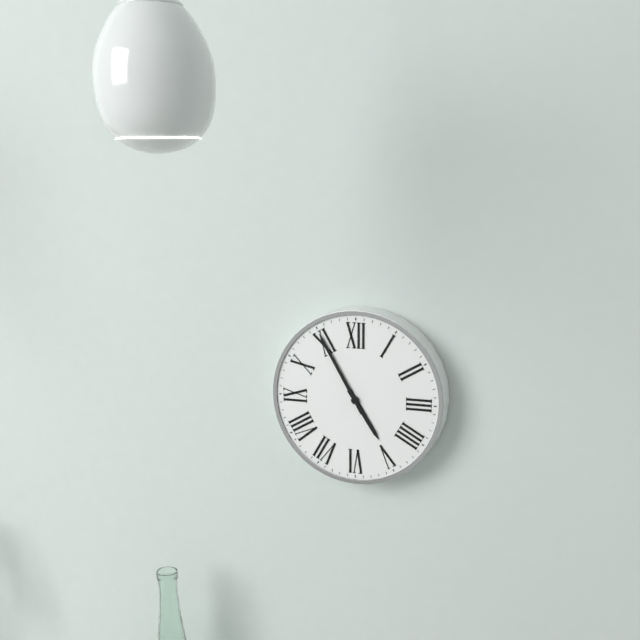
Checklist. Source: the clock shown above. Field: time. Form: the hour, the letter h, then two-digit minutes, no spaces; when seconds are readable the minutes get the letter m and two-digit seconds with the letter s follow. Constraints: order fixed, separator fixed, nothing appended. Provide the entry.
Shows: 4h55
